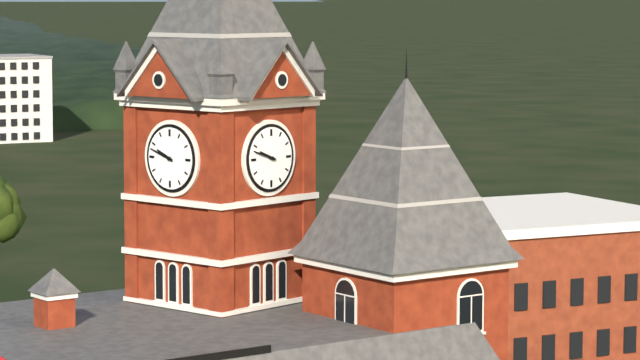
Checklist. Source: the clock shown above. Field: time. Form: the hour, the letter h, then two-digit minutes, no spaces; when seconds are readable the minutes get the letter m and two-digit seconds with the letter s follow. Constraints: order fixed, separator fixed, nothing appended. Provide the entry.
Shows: 9h48
